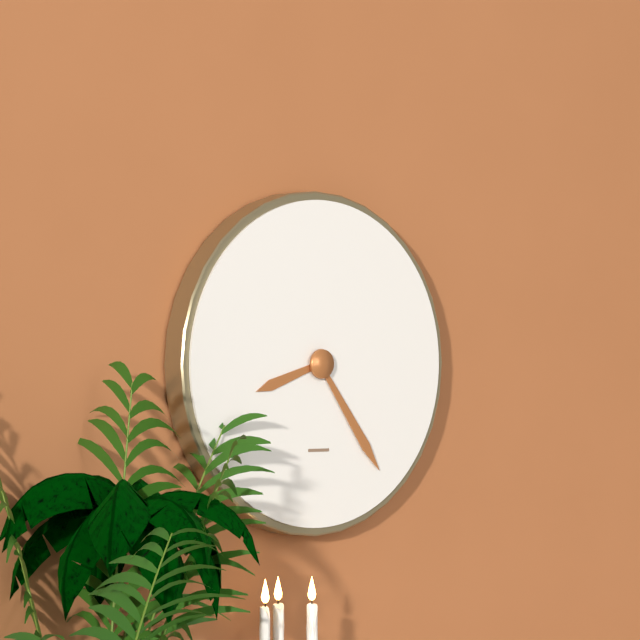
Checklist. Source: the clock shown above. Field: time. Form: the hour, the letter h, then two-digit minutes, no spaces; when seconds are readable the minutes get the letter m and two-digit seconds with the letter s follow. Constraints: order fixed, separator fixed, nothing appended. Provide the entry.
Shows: 8h24
